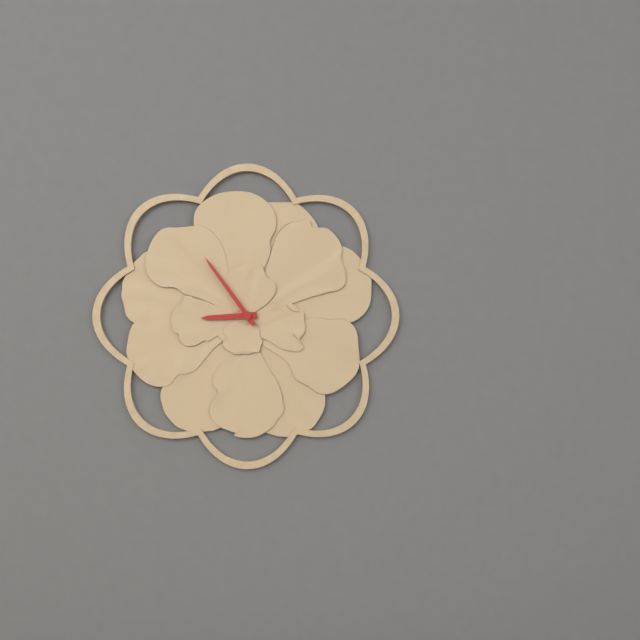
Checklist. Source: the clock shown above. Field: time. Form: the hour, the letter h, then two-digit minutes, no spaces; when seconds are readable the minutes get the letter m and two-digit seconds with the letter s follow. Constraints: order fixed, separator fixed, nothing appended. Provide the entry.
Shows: 8h54
